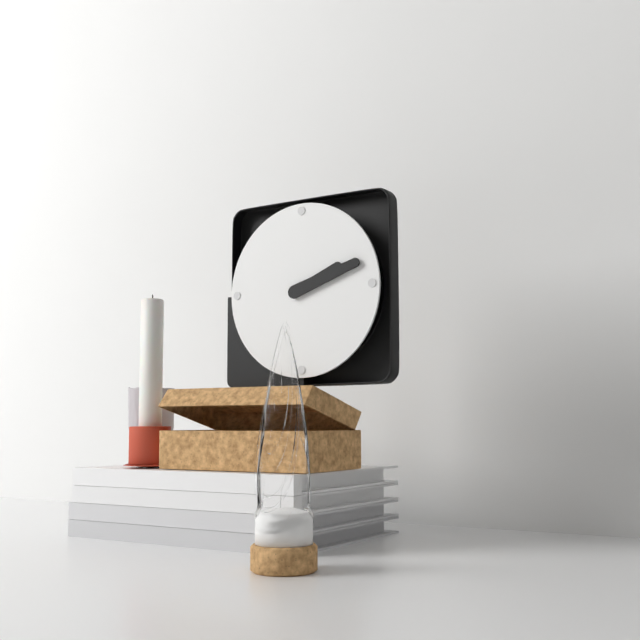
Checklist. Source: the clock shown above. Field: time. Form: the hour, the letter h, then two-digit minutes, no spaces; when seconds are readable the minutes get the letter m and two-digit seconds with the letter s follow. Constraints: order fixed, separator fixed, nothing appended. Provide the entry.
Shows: 2h12
